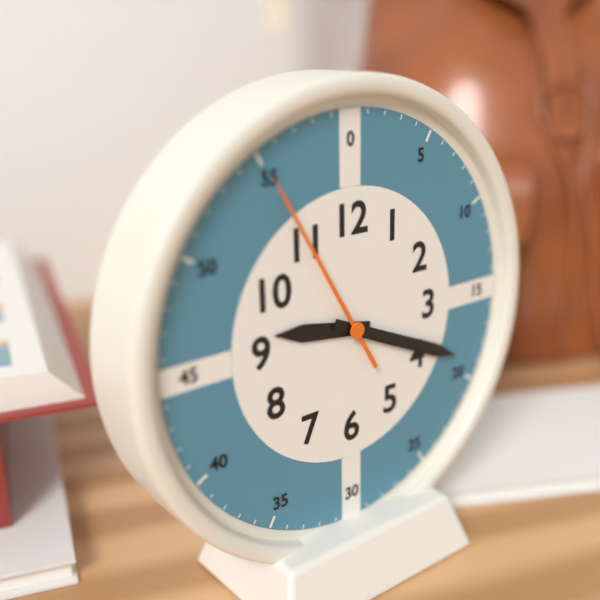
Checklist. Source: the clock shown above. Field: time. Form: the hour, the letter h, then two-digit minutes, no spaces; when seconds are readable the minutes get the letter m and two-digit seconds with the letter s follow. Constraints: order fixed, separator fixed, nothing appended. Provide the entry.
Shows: 9h19m55s
